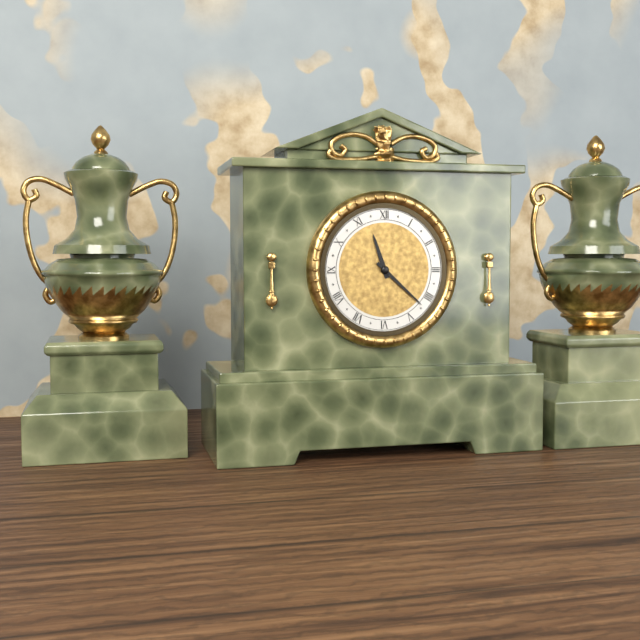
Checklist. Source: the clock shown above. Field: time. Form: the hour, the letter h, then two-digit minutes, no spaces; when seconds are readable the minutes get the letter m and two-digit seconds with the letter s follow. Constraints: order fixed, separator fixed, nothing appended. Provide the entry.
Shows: 11h22
